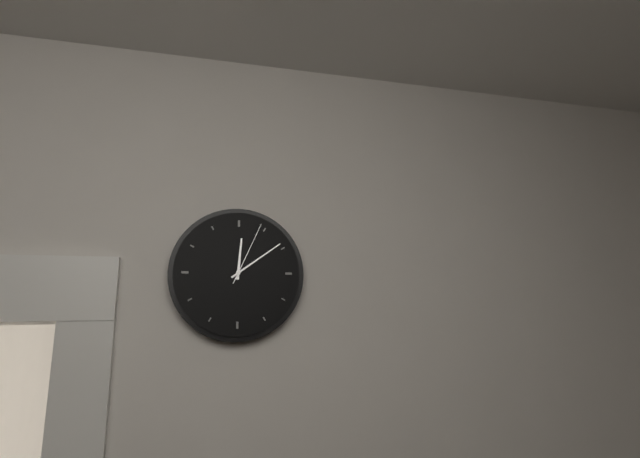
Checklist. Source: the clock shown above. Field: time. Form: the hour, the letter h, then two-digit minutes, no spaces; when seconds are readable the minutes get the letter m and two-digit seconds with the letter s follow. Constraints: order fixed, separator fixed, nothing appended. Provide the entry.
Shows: 12h09m04s
